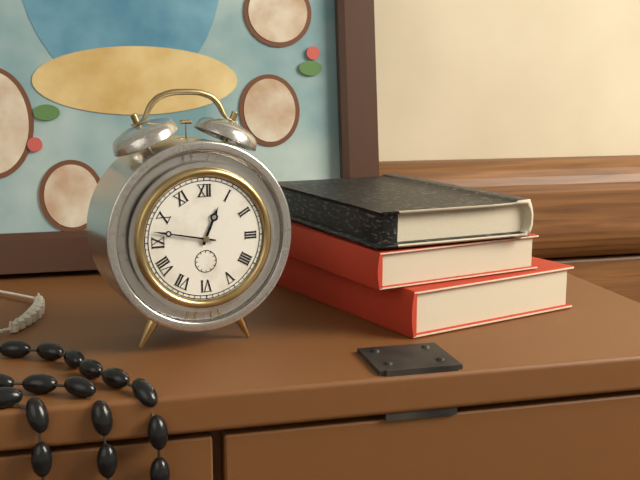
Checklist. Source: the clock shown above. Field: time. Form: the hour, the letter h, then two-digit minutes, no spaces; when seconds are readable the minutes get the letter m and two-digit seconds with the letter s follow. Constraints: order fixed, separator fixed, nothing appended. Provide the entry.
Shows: 12h47
